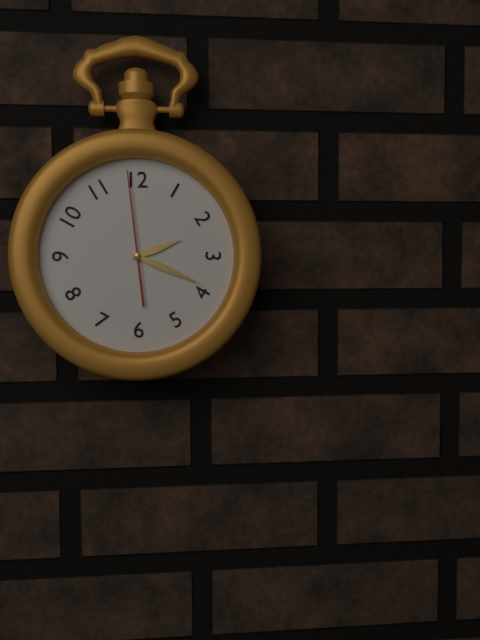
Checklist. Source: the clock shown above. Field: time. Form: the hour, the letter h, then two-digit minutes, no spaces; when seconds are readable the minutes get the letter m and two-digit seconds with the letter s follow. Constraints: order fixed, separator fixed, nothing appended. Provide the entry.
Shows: 2h19m59s
